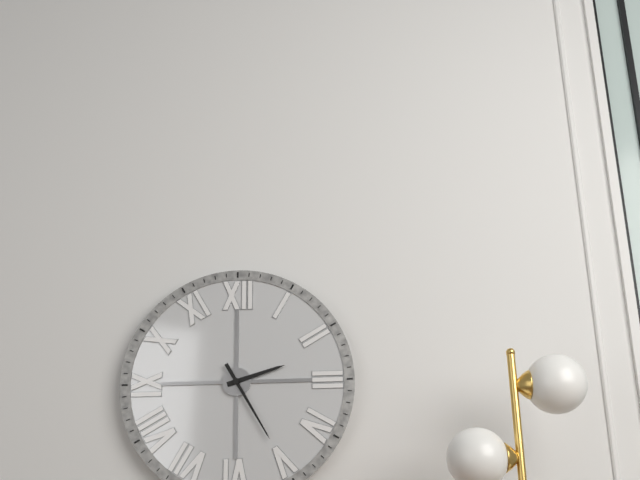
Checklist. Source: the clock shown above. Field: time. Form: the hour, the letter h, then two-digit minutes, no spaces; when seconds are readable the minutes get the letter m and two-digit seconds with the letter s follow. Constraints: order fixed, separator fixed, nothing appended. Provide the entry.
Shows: 2h25
